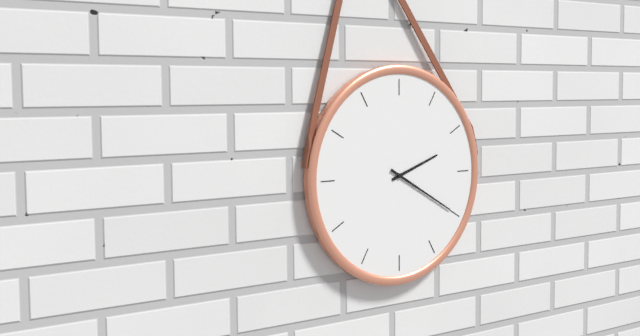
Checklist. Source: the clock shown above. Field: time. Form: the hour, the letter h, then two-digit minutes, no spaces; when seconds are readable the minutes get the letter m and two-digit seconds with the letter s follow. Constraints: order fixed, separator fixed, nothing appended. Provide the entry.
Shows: 2h20
